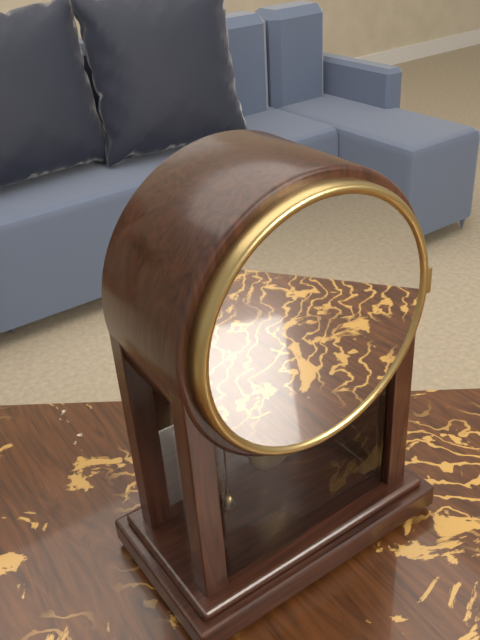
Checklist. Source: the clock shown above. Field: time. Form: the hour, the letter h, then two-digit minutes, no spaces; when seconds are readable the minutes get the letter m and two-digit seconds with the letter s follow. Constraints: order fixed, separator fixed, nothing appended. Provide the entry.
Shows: 6h41
